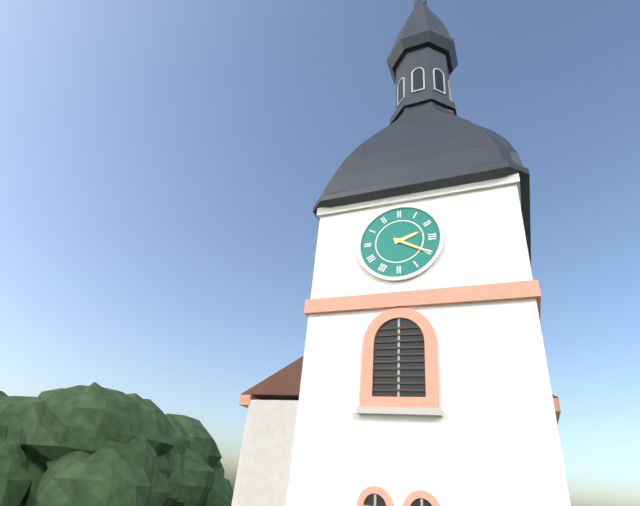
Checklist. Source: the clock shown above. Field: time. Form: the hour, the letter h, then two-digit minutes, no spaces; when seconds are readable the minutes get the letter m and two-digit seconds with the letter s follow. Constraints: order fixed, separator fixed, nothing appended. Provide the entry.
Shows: 2h20
